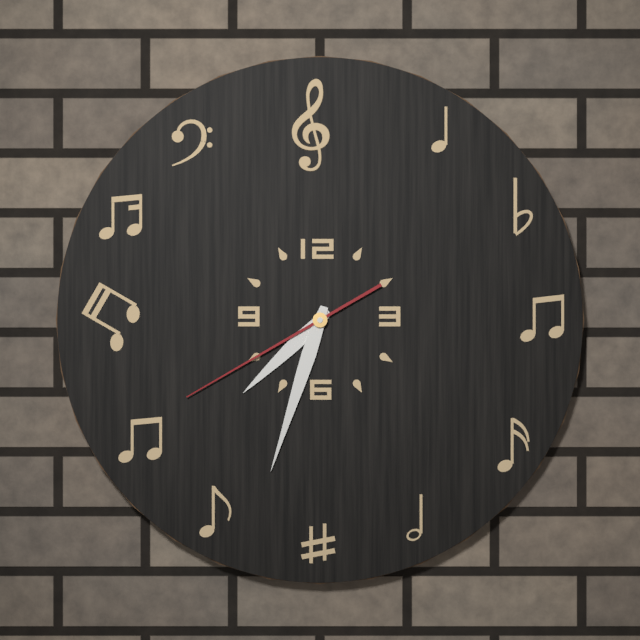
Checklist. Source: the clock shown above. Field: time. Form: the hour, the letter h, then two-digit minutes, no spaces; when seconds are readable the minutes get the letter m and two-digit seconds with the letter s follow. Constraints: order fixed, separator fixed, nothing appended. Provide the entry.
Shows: 7h33m40s
